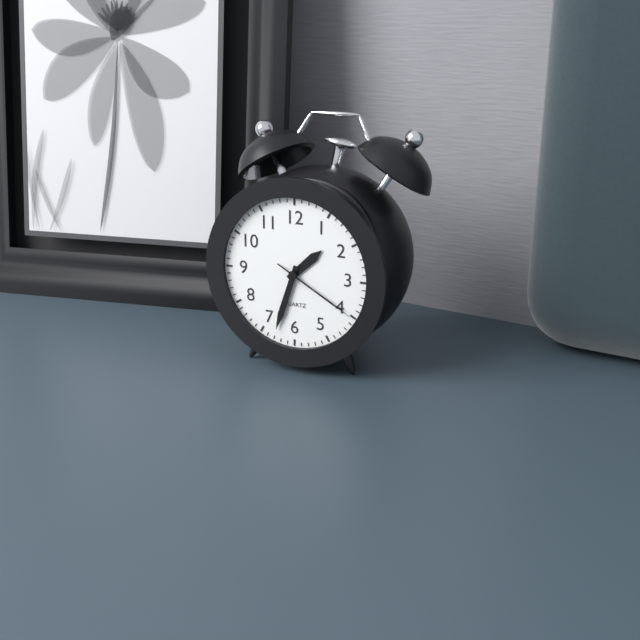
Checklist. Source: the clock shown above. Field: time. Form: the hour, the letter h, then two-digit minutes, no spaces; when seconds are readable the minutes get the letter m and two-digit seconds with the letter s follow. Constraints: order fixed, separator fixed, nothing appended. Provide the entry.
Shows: 1h33m20s
